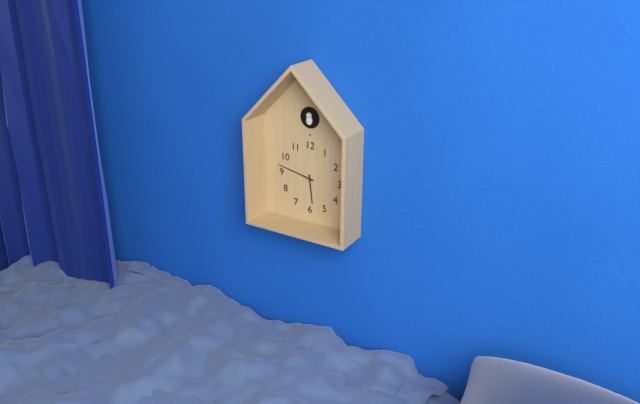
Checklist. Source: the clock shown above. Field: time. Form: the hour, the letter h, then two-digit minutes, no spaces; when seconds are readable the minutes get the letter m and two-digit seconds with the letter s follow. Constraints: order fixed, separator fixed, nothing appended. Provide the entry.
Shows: 5h47
